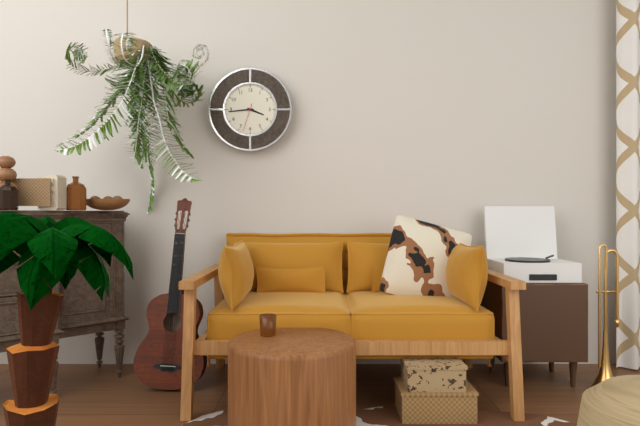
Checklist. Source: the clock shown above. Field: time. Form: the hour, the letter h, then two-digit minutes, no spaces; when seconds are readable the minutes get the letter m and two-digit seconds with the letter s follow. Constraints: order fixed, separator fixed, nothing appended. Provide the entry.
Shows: 3h44
